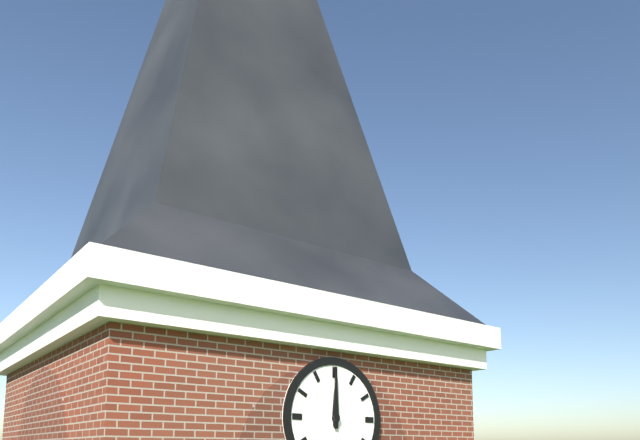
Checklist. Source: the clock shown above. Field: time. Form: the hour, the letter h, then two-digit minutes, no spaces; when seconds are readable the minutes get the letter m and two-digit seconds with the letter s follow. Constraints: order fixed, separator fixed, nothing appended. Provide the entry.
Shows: 12h00
